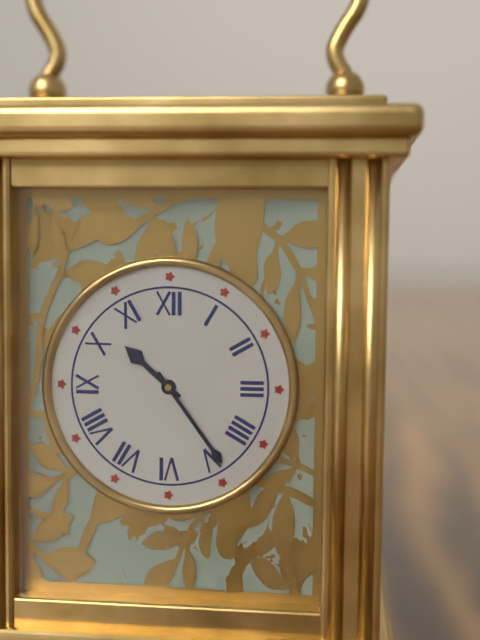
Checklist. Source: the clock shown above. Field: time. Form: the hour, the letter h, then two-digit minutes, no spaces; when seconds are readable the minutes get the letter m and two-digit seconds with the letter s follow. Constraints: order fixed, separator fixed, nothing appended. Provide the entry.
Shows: 10h24
